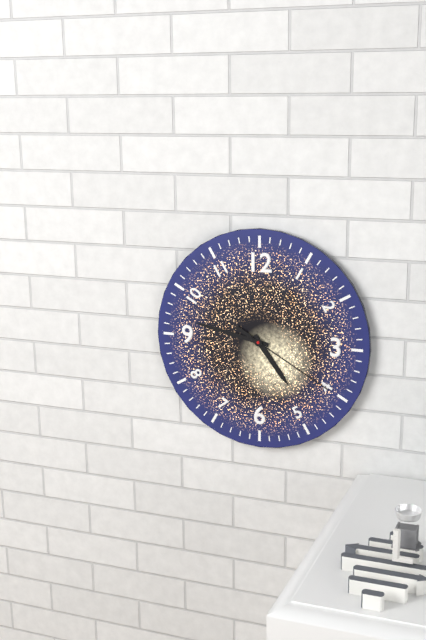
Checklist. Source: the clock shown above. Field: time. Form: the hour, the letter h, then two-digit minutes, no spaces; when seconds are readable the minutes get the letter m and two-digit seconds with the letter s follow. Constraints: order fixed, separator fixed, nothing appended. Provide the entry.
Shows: 4h47m20s
